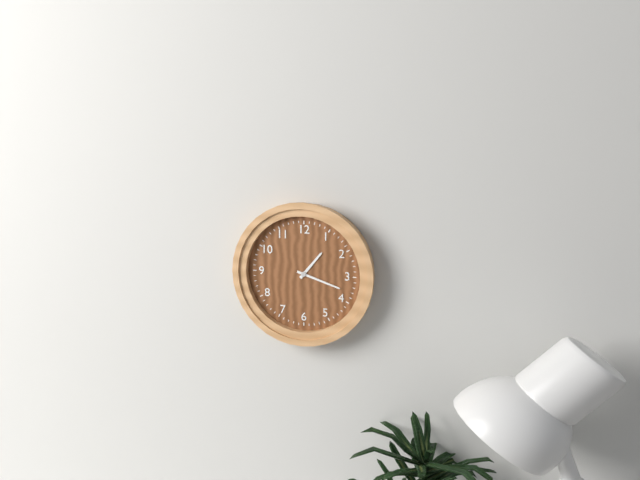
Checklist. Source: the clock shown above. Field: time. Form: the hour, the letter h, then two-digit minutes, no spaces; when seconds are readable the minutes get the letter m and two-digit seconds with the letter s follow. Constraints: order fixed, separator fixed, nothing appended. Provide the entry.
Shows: 1h18
